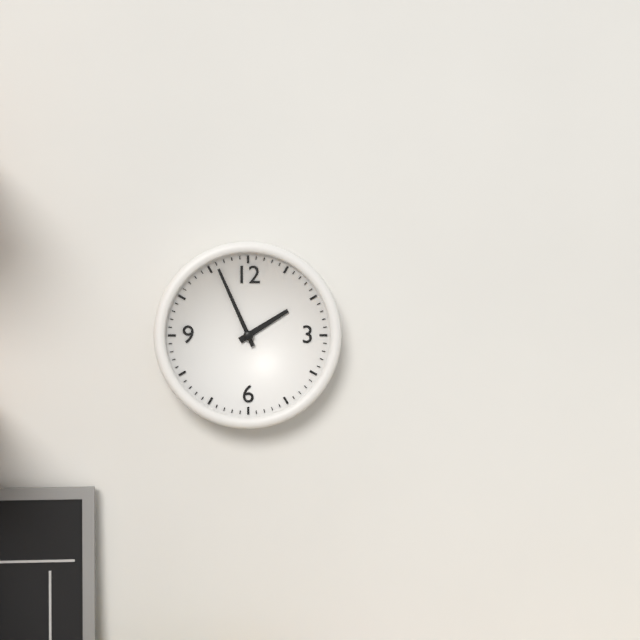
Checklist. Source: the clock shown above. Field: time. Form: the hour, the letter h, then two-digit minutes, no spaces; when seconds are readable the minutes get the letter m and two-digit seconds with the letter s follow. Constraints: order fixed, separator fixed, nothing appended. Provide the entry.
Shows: 1h56
